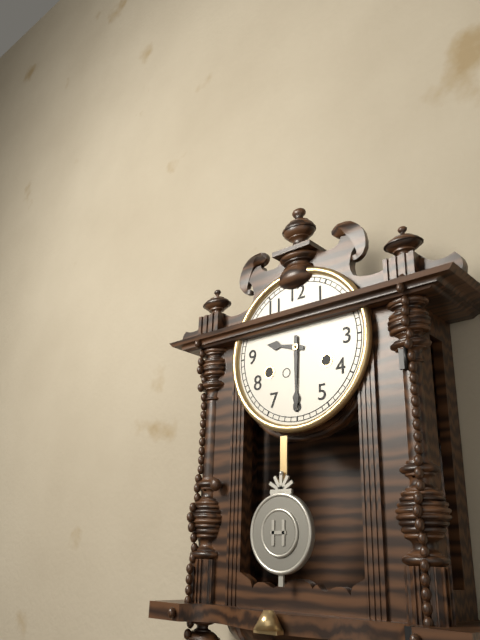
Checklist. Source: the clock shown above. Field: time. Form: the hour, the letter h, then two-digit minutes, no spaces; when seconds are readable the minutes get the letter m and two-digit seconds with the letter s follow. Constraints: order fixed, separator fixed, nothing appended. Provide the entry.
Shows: 9h30
